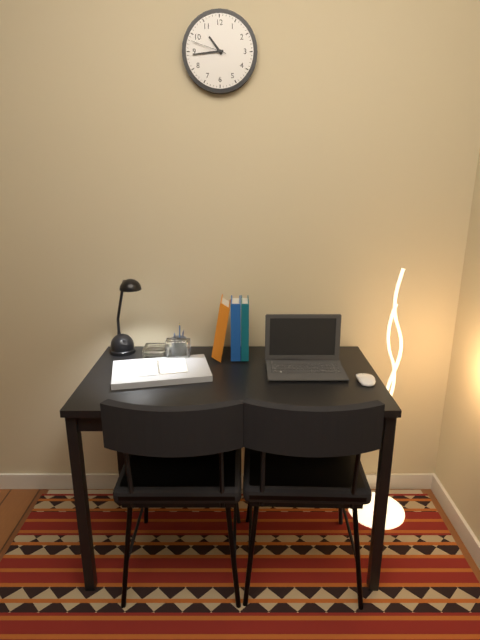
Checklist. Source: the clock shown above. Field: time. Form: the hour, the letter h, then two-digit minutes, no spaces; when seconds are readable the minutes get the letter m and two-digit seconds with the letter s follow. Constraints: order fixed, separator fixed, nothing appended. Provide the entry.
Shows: 10h44
